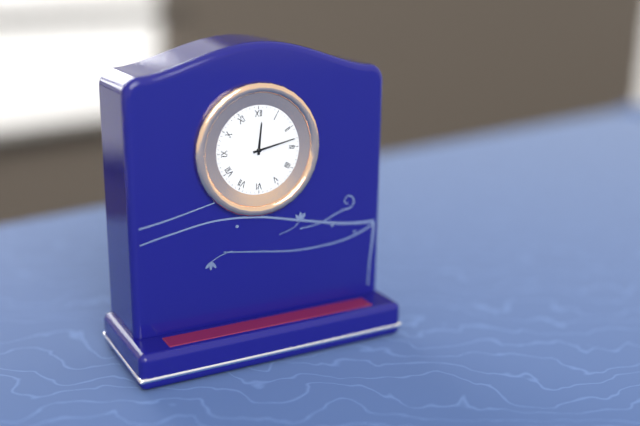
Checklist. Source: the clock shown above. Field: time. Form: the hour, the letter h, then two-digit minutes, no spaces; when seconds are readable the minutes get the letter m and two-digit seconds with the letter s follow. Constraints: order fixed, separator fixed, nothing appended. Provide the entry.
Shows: 12h13
